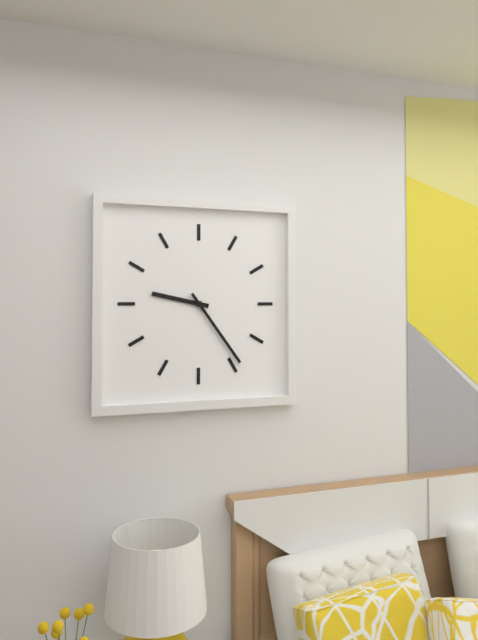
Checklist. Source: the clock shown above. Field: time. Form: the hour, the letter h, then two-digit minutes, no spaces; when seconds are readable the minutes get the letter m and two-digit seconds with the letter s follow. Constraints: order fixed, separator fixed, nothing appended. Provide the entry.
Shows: 9h24
